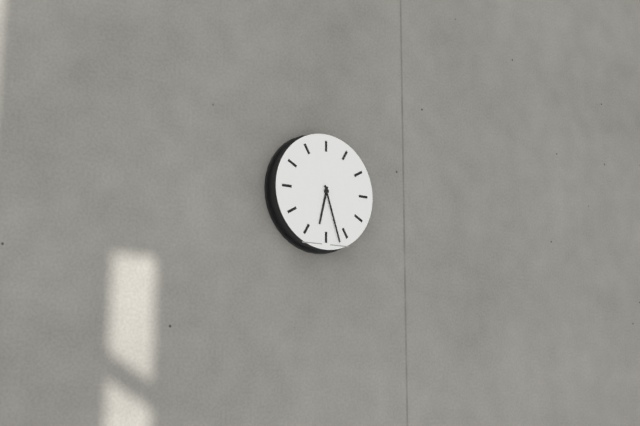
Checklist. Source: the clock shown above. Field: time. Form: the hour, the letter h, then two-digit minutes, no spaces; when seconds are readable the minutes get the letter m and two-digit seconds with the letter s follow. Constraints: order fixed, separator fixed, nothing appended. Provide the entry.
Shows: 6h27
